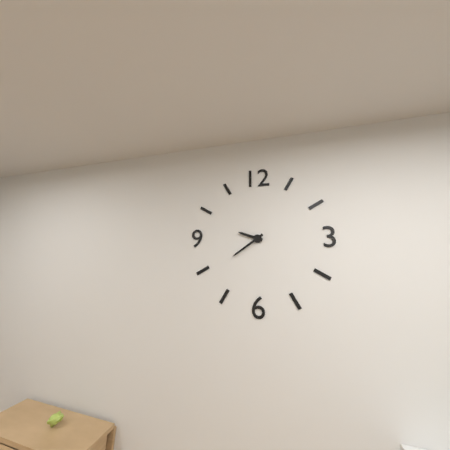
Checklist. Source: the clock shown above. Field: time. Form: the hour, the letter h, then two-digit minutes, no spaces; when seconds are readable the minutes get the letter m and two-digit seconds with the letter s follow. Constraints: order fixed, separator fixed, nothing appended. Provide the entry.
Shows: 9h39
